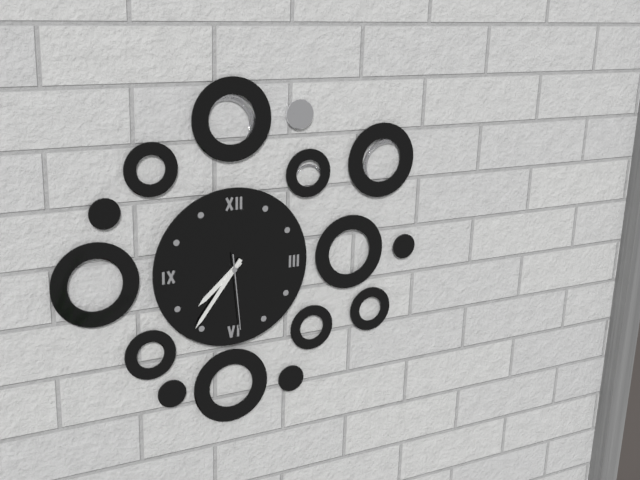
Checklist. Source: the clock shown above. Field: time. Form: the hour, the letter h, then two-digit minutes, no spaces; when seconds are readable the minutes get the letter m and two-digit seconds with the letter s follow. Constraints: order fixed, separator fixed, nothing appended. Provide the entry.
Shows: 7h36m29s
